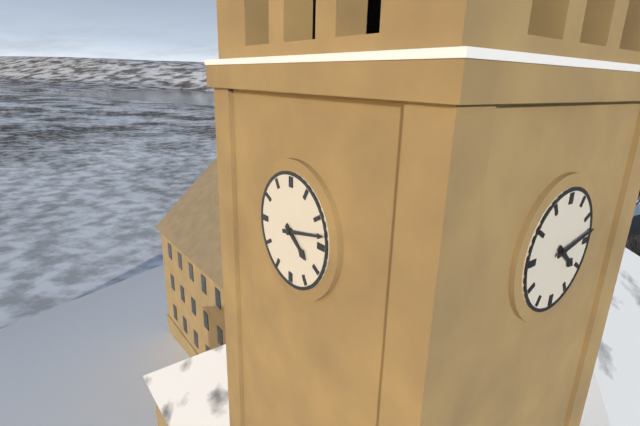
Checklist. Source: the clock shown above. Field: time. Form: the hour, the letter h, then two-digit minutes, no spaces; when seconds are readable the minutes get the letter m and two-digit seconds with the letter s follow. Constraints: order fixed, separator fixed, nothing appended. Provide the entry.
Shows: 4h13
